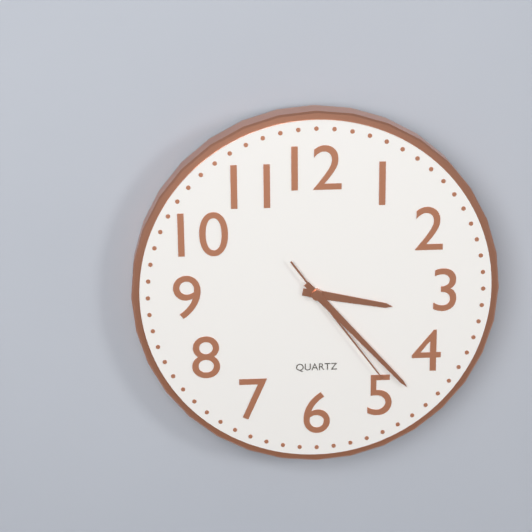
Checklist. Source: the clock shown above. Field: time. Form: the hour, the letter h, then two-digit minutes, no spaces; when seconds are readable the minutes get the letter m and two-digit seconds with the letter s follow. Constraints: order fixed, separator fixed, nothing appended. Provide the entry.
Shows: 3h23m24s
